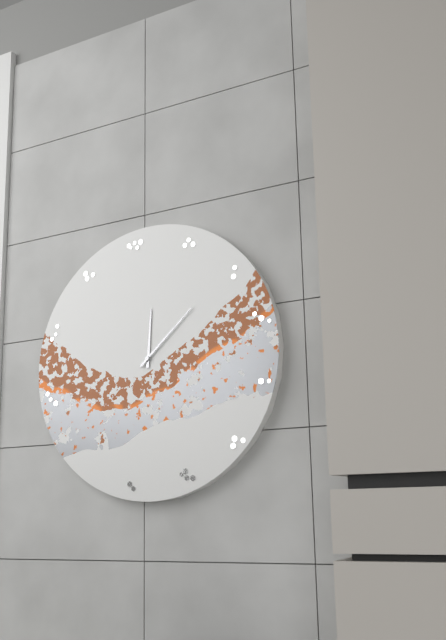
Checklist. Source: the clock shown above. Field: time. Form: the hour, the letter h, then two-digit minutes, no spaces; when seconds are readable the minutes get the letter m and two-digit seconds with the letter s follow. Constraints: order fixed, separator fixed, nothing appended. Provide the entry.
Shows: 12h08
